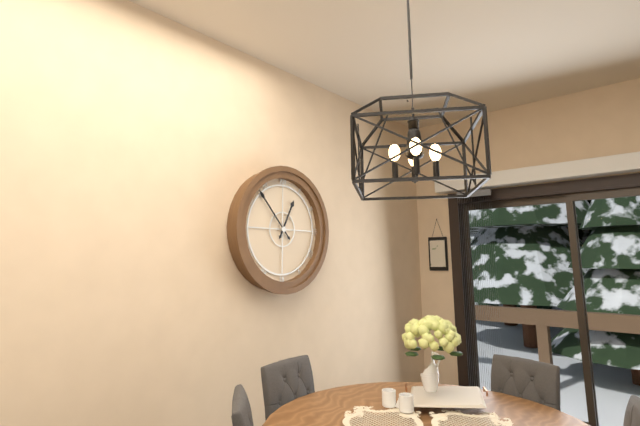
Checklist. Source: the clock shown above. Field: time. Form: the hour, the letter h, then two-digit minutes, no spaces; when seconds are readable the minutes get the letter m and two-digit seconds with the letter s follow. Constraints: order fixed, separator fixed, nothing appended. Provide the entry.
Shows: 12h53
